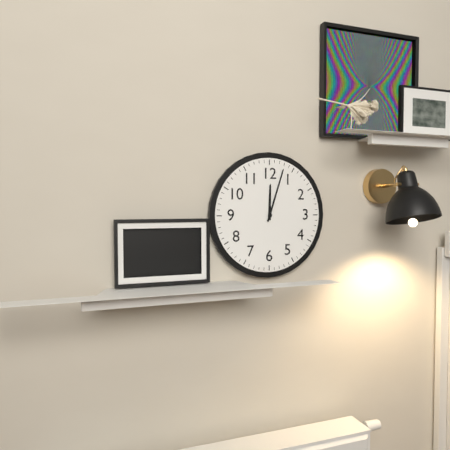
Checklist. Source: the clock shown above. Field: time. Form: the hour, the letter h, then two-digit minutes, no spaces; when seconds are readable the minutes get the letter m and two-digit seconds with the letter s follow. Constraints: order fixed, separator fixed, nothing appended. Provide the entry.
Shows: 12h03
